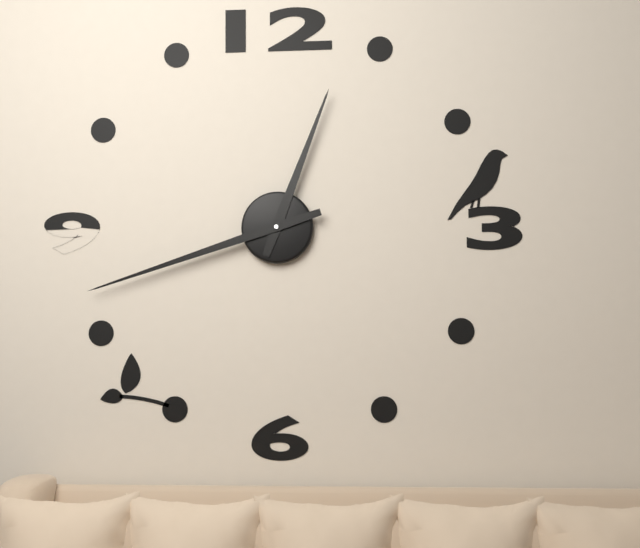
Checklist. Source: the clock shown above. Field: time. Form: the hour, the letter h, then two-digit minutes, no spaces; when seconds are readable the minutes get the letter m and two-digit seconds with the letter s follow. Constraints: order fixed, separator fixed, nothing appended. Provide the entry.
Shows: 12h42
